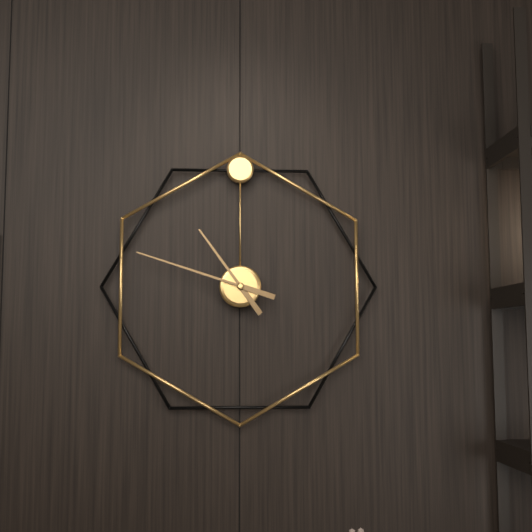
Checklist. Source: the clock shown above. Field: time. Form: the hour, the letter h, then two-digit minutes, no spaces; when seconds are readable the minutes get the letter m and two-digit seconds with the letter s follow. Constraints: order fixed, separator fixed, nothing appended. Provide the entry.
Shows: 10h48
